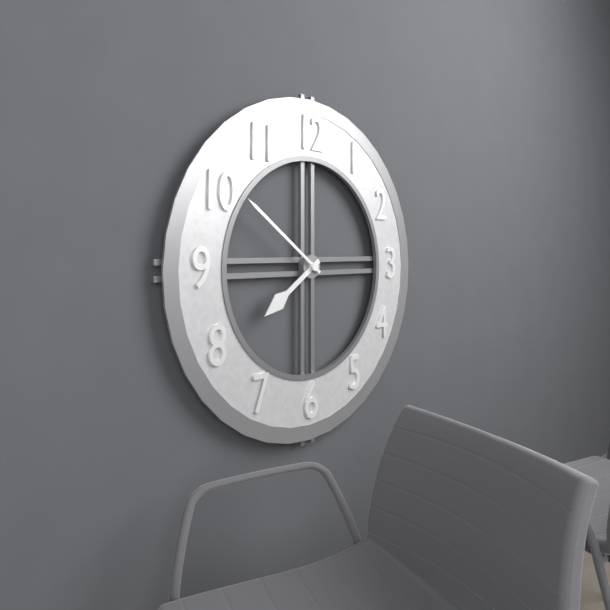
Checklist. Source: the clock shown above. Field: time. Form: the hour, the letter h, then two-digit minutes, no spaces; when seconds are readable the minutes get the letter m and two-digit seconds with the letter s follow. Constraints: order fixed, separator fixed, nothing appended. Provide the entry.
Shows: 7h51
